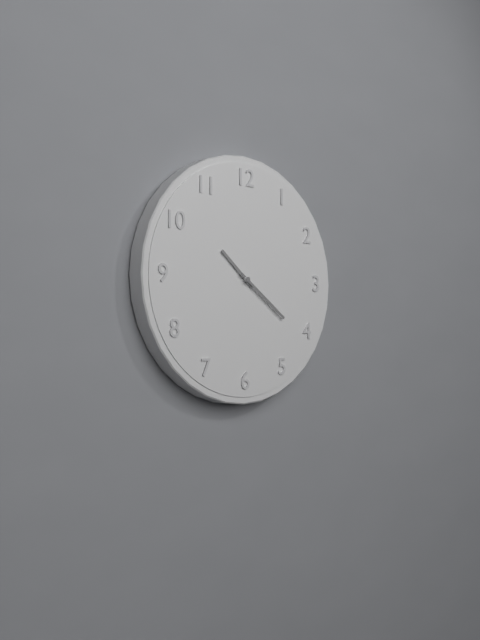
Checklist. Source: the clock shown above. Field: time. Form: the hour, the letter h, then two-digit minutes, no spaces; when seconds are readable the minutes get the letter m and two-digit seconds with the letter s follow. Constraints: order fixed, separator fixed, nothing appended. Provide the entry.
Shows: 10h21
